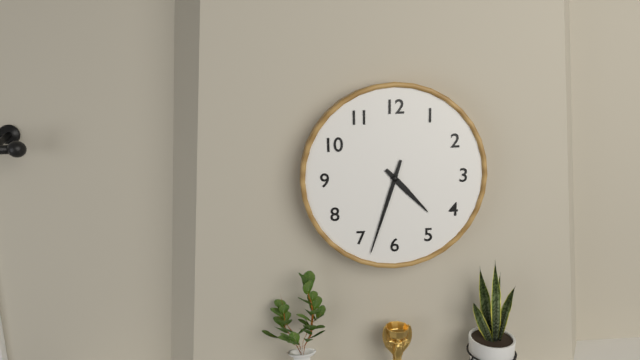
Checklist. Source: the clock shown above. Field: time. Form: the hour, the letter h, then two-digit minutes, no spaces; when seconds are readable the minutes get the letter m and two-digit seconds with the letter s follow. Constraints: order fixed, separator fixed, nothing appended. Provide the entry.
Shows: 4h33
